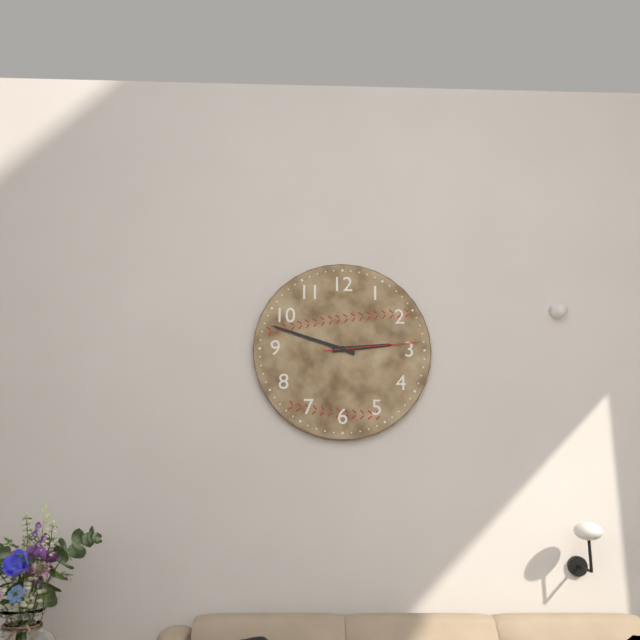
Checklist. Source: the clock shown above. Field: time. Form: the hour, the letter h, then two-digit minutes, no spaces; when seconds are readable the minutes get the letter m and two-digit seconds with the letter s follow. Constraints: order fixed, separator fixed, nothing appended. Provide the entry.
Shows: 2h48m14s
